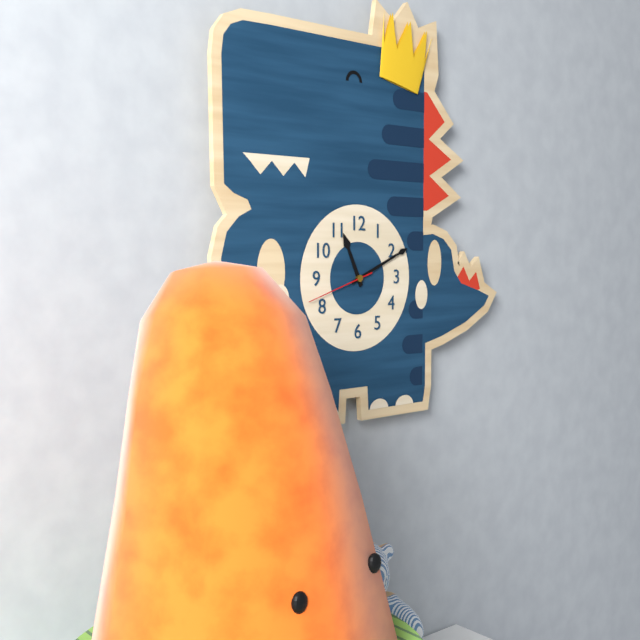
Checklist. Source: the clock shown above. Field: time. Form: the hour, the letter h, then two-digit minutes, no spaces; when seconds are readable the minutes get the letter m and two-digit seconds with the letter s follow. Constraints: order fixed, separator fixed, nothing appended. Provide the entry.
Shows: 11h11m42s
